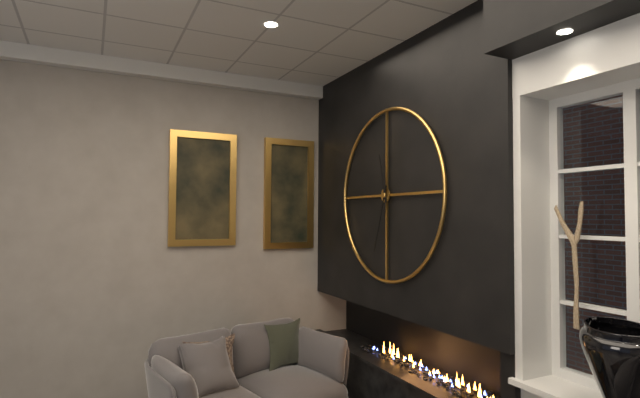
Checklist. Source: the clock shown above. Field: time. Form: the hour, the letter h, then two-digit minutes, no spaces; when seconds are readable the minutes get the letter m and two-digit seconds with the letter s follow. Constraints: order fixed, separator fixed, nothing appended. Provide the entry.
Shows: 11h33
